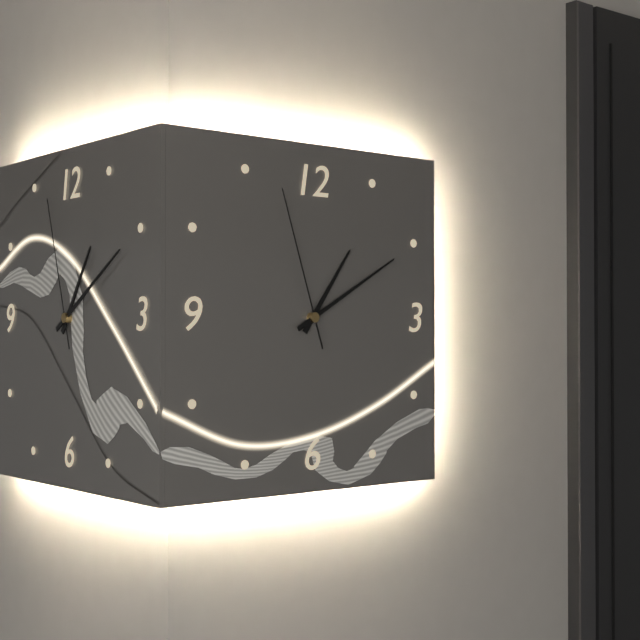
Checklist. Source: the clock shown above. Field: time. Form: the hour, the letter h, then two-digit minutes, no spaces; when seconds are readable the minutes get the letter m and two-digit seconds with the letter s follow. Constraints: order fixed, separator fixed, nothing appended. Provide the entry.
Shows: 1h10m57s
